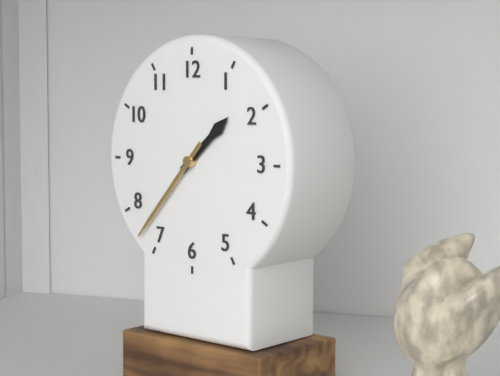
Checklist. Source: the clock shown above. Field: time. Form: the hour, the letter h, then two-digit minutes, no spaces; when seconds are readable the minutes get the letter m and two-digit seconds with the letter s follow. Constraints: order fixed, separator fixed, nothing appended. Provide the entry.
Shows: 1h37
